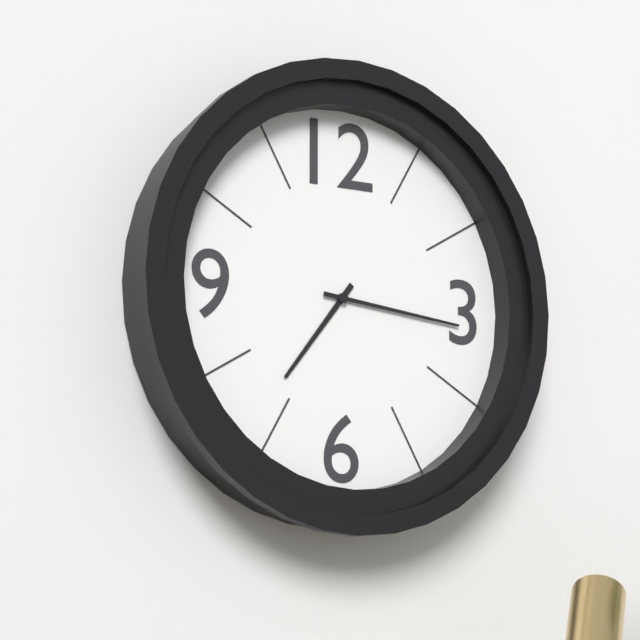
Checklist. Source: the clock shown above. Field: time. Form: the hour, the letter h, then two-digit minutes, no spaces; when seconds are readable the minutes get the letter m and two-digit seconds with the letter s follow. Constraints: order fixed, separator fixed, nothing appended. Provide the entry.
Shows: 7h16
